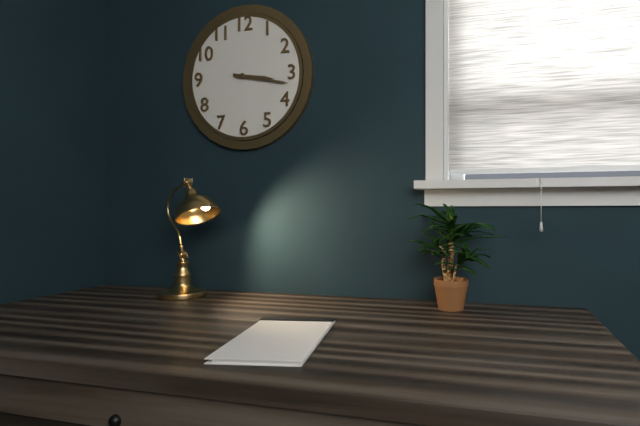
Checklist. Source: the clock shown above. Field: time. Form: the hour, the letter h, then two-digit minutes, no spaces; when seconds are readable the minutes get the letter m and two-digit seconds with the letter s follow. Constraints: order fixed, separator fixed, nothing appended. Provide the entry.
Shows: 3h17
